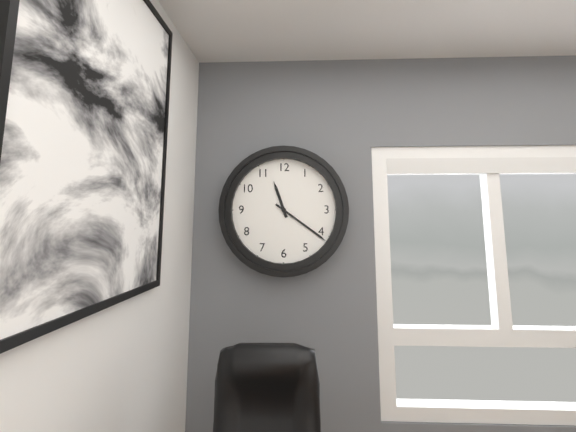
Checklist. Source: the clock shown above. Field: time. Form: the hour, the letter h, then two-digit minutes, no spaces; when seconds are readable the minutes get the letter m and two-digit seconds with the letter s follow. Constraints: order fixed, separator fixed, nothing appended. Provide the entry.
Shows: 11h21
